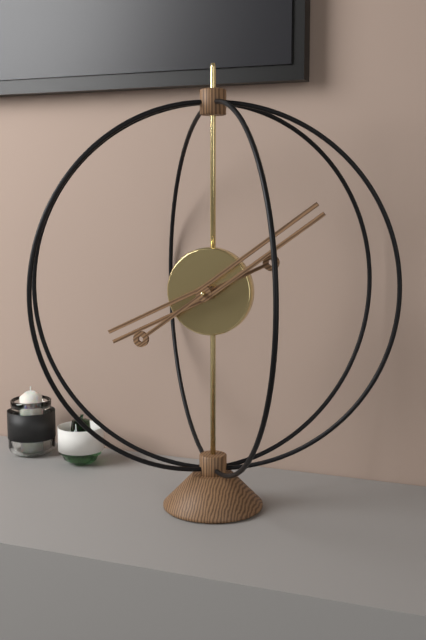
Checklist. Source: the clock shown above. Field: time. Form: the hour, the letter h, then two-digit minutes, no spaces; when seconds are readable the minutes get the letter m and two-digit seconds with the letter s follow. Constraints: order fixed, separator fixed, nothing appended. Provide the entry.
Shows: 8h09
